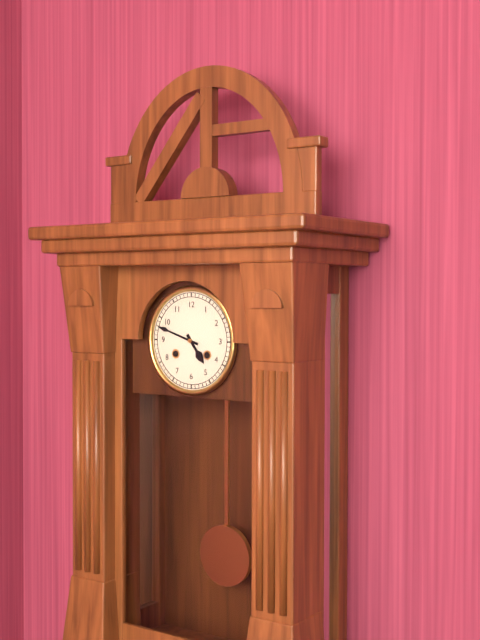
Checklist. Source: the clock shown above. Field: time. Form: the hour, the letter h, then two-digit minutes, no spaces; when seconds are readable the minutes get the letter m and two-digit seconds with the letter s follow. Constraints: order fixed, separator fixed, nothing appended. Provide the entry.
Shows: 4h48
